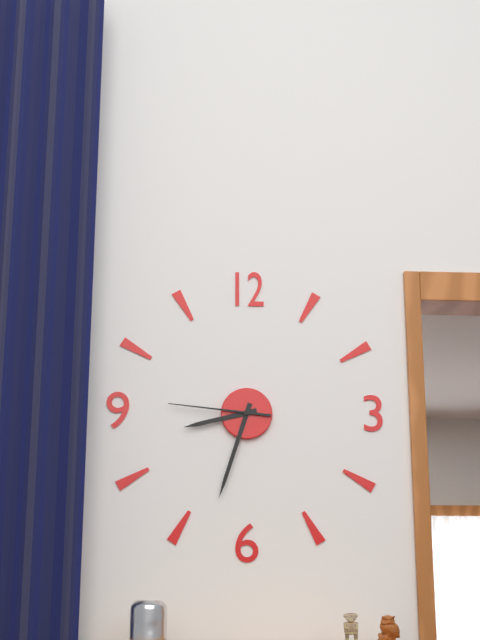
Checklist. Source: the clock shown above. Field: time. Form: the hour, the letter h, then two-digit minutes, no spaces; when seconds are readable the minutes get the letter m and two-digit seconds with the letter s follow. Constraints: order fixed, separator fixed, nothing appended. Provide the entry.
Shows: 8h33m46s
